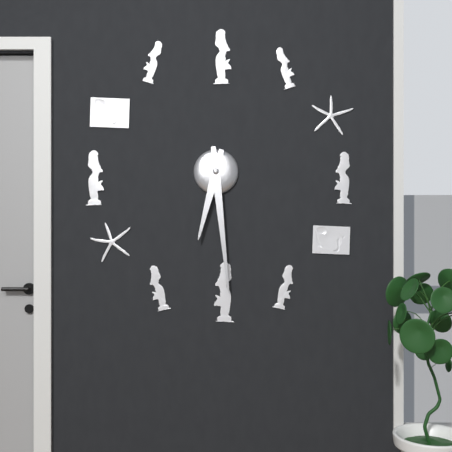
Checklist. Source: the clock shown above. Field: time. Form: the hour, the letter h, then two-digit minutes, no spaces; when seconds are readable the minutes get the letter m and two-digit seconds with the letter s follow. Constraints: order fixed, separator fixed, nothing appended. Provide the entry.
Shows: 6h29
